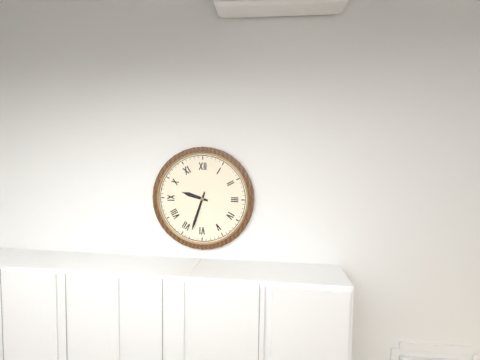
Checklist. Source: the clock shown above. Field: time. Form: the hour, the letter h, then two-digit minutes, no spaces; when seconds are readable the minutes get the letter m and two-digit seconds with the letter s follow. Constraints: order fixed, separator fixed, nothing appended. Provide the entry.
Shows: 9h33
